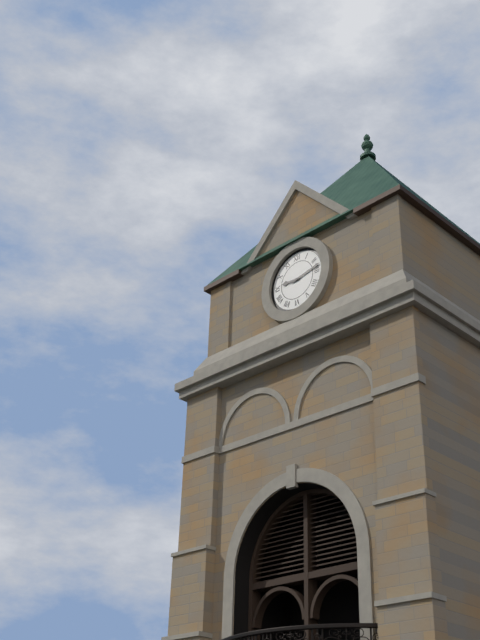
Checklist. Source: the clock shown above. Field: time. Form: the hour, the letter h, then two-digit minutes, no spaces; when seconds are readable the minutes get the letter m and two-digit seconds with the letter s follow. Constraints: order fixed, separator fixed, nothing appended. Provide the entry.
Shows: 9h13
